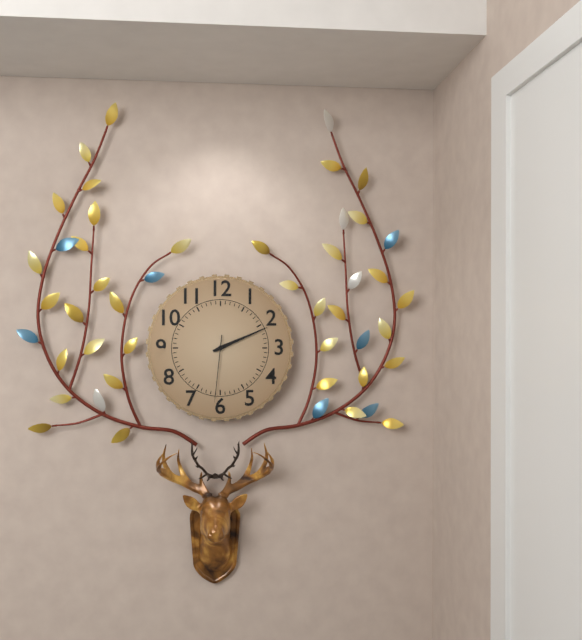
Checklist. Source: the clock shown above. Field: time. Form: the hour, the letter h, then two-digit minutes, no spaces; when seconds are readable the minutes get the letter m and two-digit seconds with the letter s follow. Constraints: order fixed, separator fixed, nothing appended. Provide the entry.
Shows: 2h11m31s
